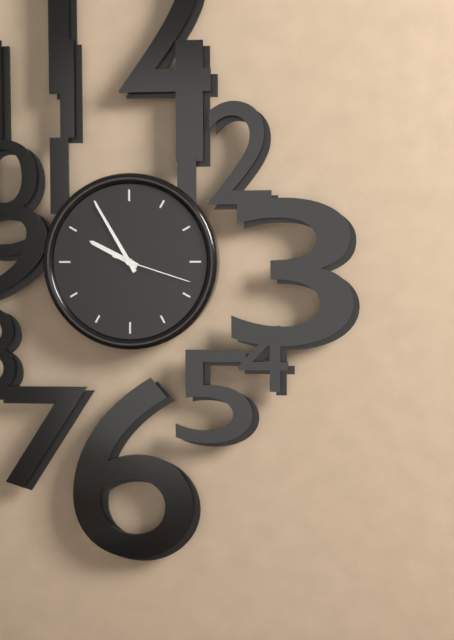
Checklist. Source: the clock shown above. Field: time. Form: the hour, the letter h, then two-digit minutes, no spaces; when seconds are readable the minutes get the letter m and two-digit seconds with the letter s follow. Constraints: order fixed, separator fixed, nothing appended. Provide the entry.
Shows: 9h55m18s
